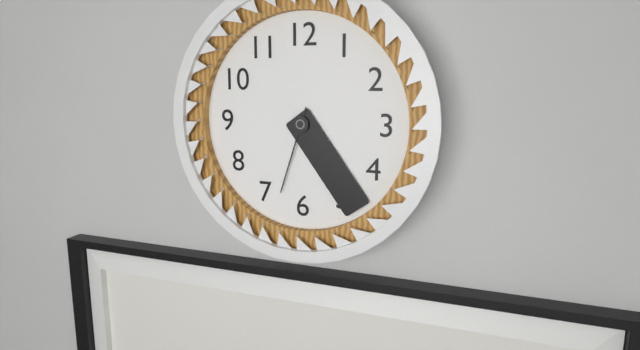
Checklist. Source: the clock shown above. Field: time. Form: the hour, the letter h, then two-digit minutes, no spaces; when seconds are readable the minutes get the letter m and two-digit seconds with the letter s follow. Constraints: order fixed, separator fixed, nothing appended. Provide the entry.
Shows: 4h24m33s
